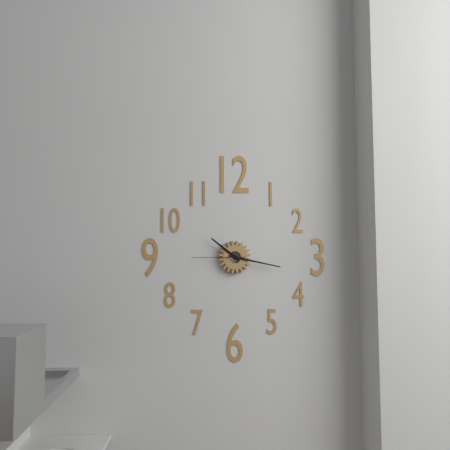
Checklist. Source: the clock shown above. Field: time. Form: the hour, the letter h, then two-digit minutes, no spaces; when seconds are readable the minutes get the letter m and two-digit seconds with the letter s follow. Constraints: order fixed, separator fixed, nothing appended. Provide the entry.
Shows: 10h17m45s
